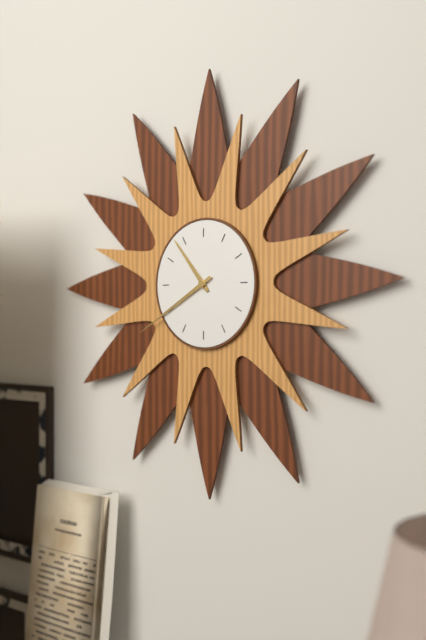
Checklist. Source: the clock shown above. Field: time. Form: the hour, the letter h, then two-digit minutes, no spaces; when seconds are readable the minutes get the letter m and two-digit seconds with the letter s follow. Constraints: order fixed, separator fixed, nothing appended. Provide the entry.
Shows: 10h40
